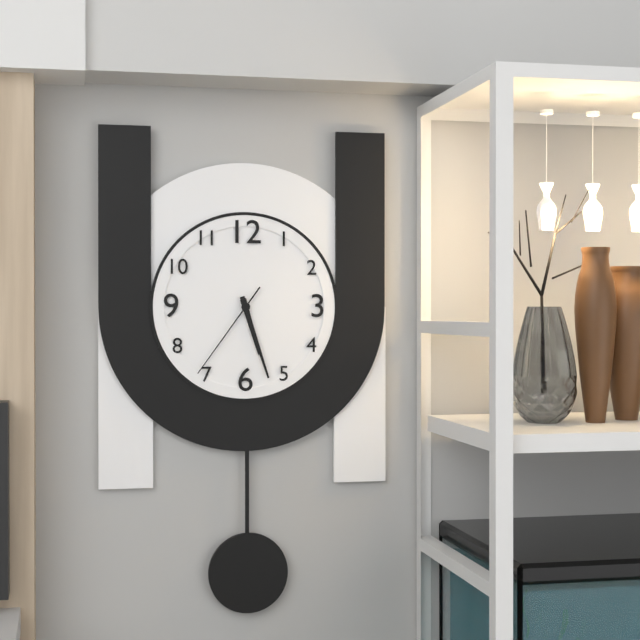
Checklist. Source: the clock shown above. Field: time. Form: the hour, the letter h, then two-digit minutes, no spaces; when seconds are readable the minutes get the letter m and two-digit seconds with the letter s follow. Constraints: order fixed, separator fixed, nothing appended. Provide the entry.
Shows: 5h27m36s
